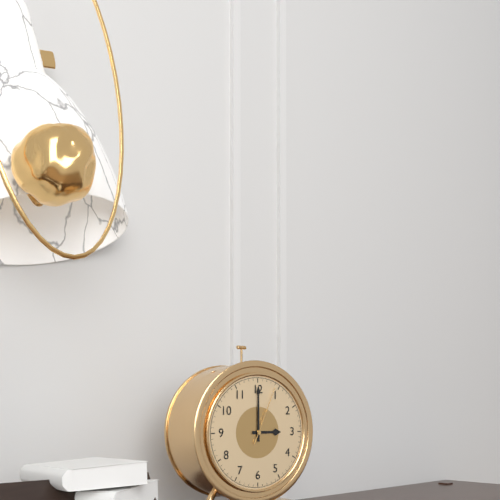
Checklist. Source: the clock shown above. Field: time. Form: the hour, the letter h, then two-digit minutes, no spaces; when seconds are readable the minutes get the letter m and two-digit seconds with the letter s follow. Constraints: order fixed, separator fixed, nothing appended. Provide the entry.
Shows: 3h00m04s
